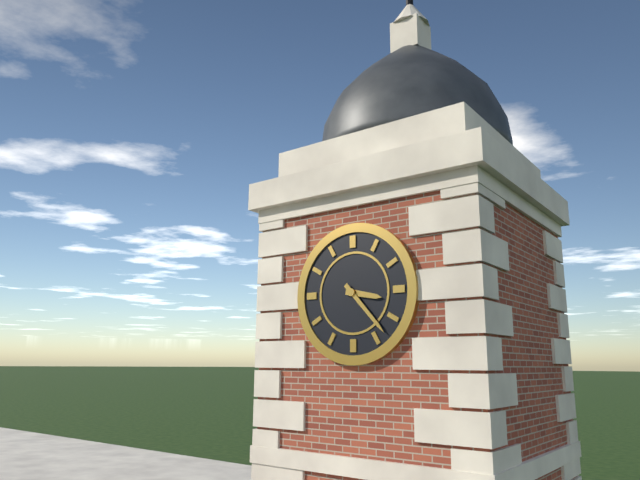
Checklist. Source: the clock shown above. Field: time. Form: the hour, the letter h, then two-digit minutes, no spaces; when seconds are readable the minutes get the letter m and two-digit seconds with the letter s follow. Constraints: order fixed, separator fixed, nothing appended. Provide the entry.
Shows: 3h23
